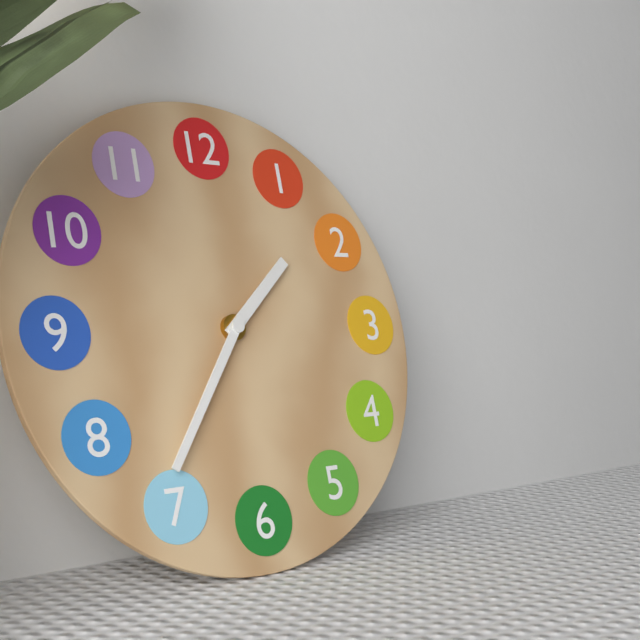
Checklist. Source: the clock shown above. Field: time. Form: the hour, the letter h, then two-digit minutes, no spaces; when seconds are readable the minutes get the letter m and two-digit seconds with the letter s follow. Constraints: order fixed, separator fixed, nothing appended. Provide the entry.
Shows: 1h36
